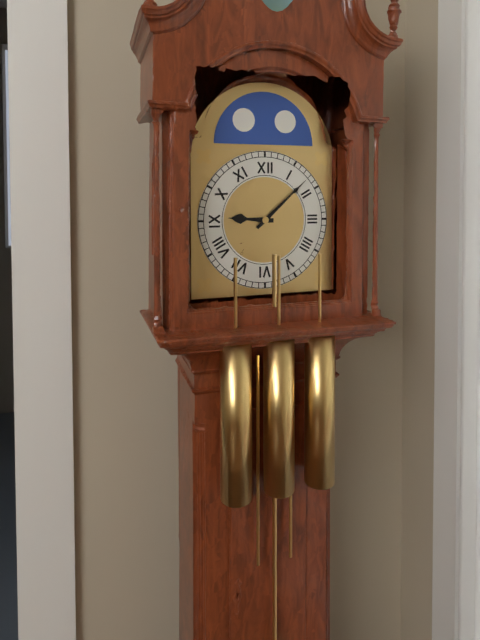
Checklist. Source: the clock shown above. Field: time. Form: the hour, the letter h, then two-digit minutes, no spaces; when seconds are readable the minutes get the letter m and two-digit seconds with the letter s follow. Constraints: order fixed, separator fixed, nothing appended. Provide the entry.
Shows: 9h08
